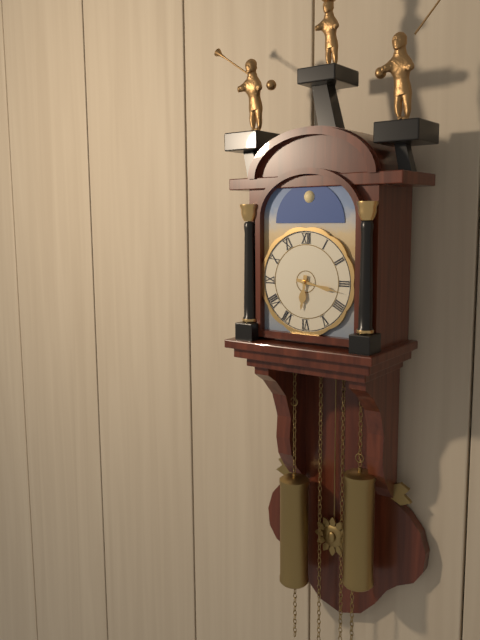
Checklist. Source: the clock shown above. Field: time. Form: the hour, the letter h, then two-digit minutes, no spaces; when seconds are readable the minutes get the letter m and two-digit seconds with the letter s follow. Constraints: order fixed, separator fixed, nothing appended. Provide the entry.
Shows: 6h17
